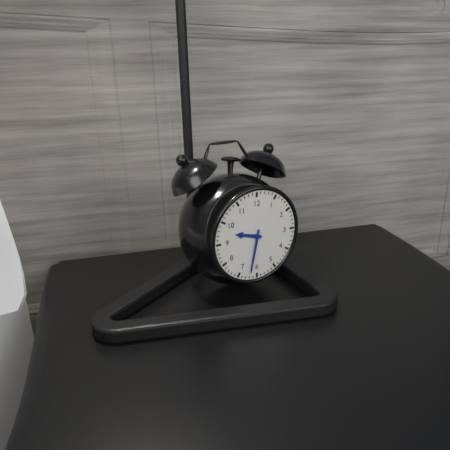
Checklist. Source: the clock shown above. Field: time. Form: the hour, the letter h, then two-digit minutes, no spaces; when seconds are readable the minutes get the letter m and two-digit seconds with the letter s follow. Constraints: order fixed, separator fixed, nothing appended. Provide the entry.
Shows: 9h32
